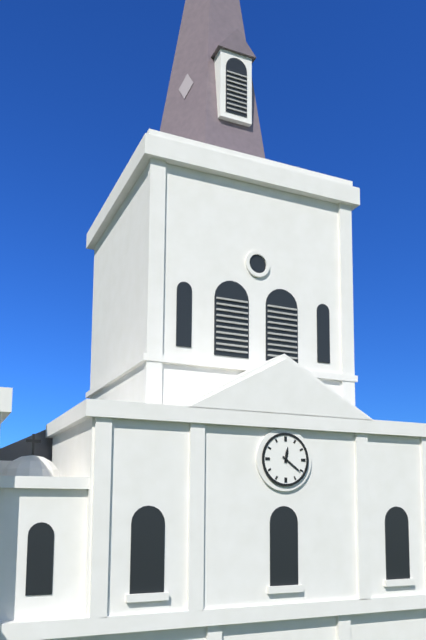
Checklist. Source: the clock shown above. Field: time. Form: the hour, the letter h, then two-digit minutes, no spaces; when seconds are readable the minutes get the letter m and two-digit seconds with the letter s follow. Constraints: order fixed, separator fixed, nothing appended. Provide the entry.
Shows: 12h21
